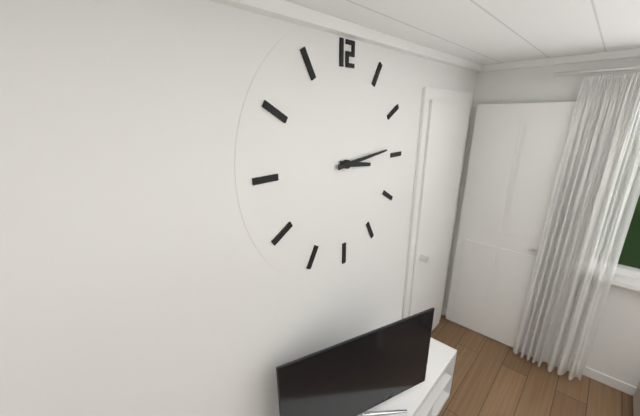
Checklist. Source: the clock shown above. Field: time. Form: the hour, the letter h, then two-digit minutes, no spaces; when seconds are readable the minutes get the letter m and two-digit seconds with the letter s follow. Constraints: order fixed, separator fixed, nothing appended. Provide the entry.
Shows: 3h14
